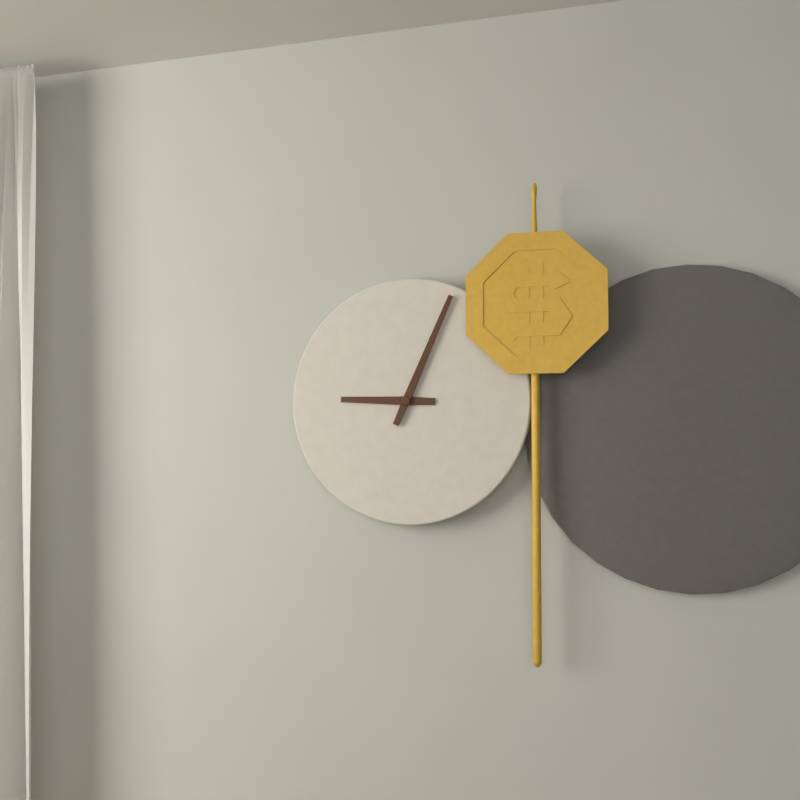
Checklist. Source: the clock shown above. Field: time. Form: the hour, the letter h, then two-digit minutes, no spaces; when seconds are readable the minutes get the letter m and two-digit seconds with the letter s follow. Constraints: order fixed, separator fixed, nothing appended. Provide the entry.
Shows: 9h04
